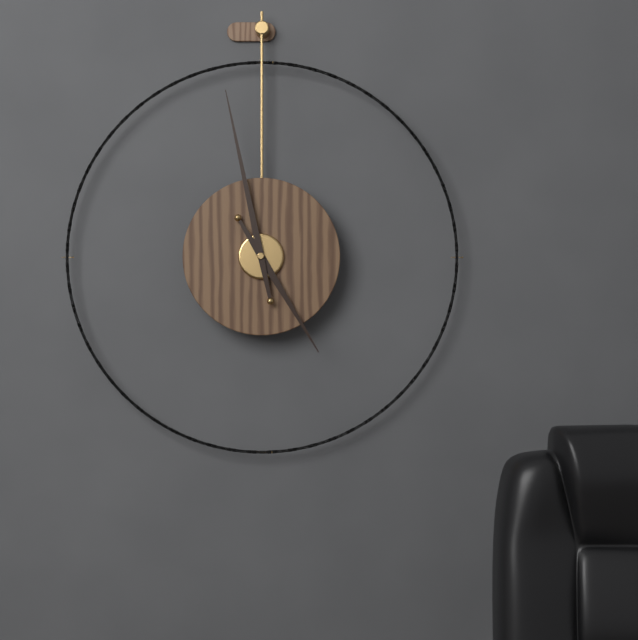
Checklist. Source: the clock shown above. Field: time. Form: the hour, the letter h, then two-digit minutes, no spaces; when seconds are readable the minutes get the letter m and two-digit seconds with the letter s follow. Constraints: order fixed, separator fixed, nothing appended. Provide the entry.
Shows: 4h58
